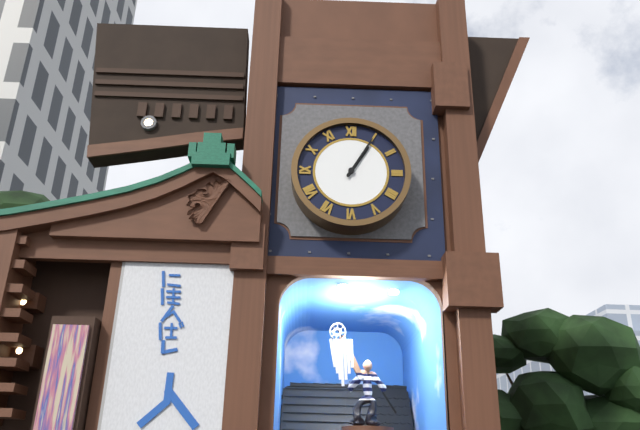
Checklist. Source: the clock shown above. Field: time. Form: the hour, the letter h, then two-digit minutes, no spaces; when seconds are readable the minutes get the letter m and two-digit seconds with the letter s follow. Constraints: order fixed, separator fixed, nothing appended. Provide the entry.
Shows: 1h05
